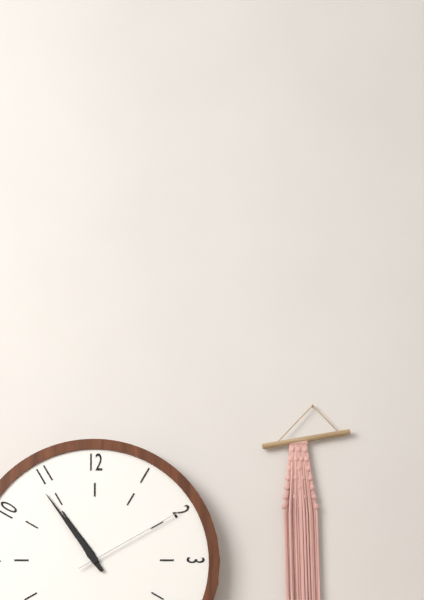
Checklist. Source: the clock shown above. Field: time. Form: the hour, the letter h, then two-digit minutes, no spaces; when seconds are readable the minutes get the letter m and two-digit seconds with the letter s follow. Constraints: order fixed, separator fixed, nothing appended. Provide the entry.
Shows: 10h54m10s
